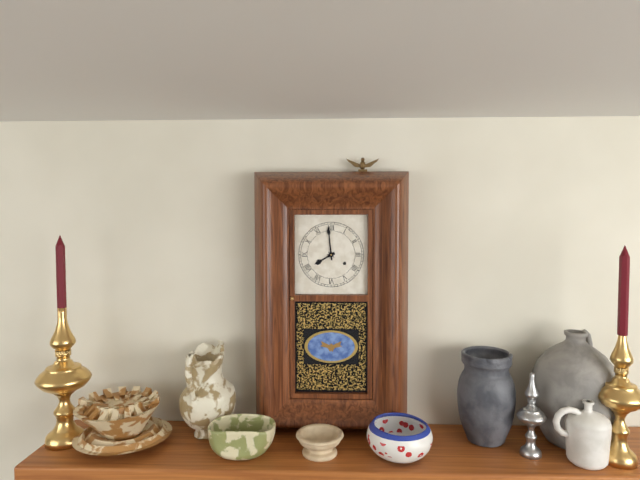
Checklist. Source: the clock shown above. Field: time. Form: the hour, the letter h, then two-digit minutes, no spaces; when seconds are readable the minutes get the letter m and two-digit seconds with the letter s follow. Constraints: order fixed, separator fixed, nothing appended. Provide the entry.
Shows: 7h59
